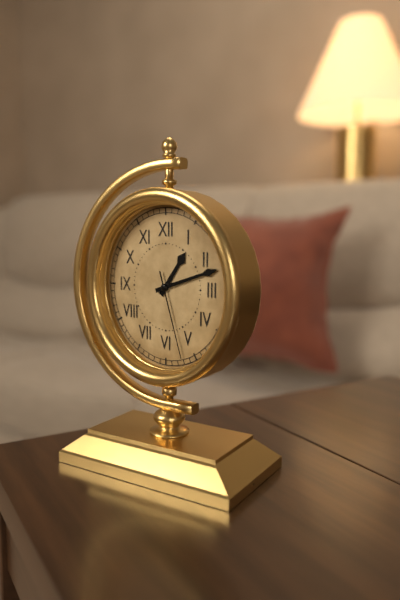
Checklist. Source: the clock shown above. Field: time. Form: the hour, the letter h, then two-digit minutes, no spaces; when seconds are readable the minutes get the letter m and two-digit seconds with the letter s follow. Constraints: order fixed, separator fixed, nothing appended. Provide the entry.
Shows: 1h12m27s
